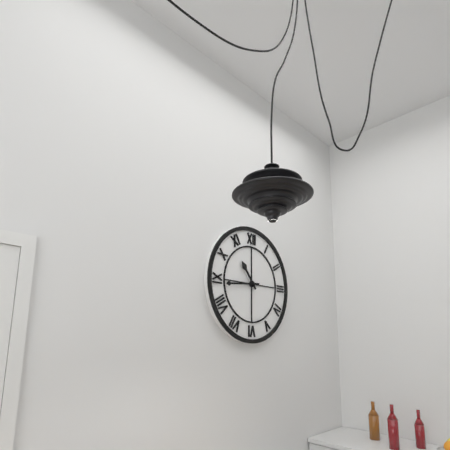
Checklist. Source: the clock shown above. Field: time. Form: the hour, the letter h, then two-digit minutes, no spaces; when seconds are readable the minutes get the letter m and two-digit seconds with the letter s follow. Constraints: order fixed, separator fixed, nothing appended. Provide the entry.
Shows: 10h44
